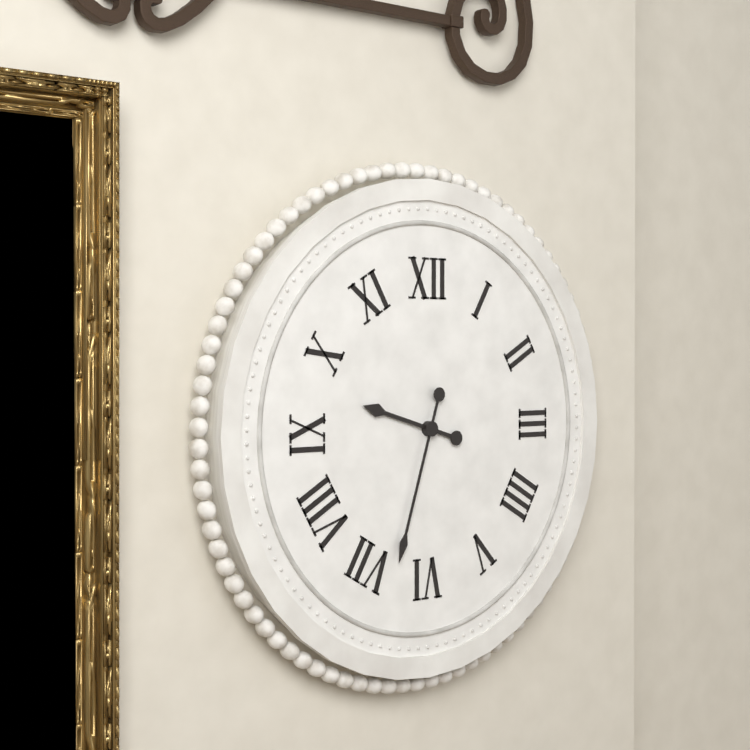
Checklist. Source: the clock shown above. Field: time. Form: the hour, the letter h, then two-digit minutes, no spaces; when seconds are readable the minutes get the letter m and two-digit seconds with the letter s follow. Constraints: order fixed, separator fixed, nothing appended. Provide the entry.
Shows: 9h33
